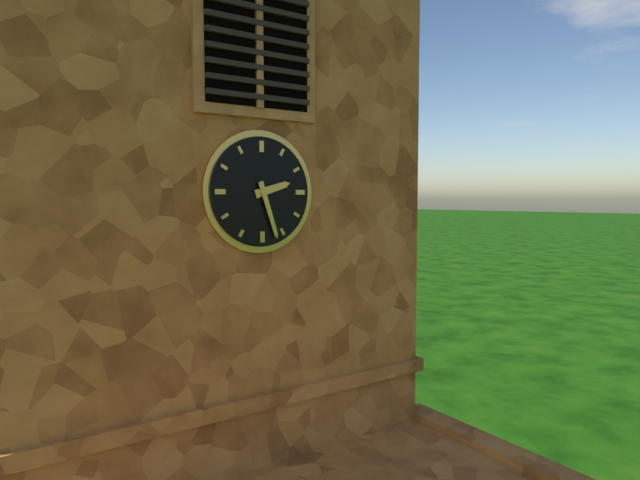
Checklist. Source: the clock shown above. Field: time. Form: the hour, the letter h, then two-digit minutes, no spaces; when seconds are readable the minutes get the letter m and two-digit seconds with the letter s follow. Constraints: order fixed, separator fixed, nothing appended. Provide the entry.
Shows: 2h27
